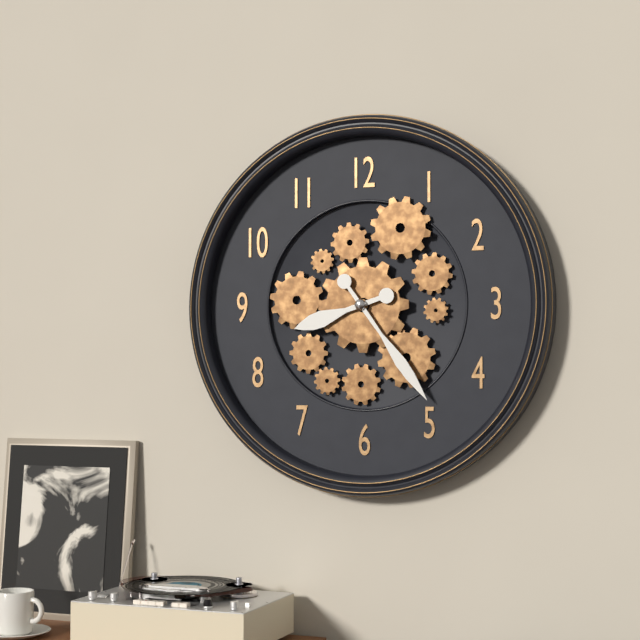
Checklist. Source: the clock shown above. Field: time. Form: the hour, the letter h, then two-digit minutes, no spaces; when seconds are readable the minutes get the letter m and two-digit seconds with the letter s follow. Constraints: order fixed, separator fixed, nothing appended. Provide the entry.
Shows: 8h24
